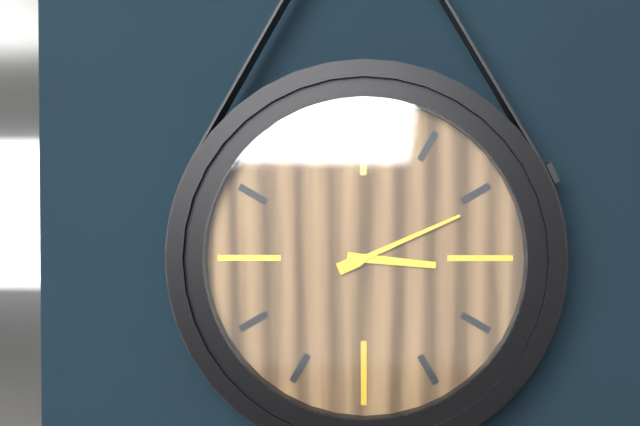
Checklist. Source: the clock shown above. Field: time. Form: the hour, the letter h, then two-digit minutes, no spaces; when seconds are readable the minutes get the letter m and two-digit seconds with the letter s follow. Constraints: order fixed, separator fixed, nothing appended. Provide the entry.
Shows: 3h11
